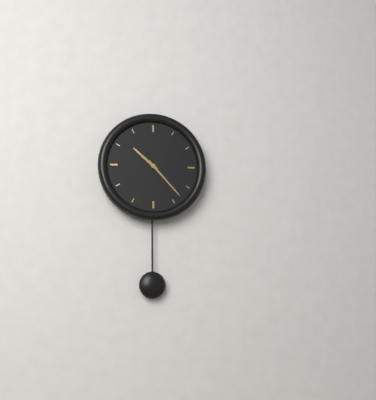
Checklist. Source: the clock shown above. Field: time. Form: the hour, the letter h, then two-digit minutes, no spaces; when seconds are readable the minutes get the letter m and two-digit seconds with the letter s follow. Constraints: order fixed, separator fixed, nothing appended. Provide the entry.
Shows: 10h23
